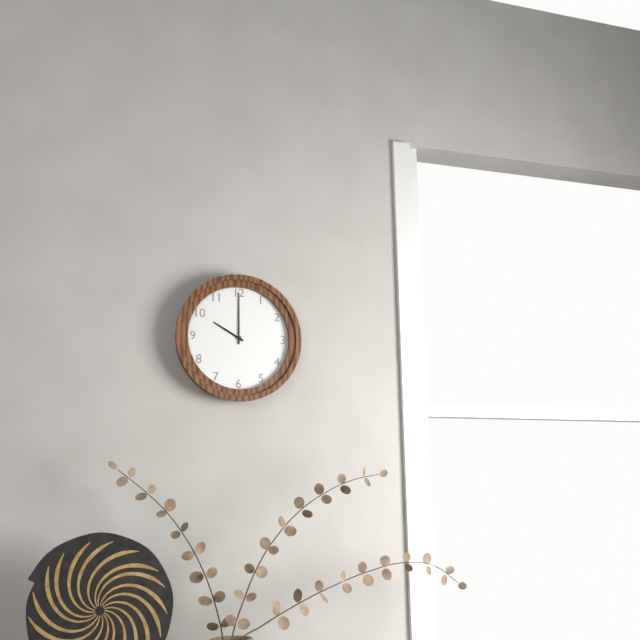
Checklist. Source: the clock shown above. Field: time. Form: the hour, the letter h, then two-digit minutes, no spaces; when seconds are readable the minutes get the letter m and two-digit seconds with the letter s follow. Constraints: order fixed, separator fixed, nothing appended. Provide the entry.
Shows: 10h00
